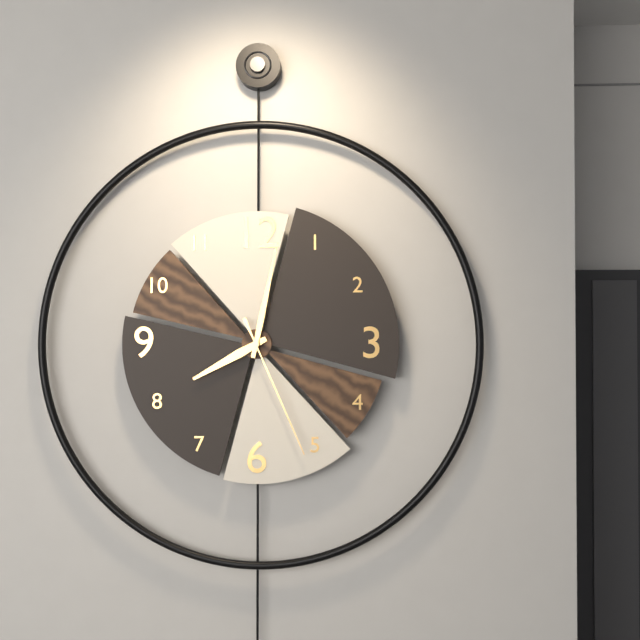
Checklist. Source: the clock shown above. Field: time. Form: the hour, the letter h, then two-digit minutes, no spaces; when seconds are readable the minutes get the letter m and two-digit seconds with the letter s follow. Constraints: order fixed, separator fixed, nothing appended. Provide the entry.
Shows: 8h02m26s
